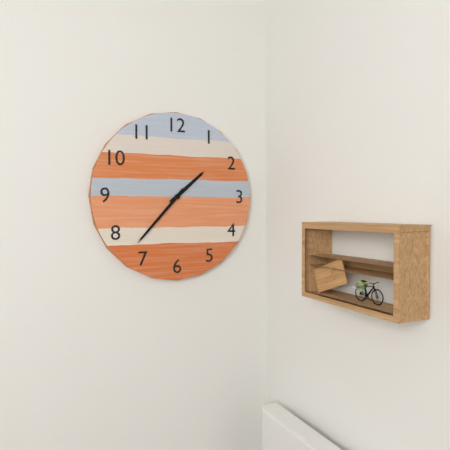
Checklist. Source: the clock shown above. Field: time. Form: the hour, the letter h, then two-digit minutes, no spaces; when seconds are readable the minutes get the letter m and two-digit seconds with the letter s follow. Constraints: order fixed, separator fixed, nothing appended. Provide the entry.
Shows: 1h37
